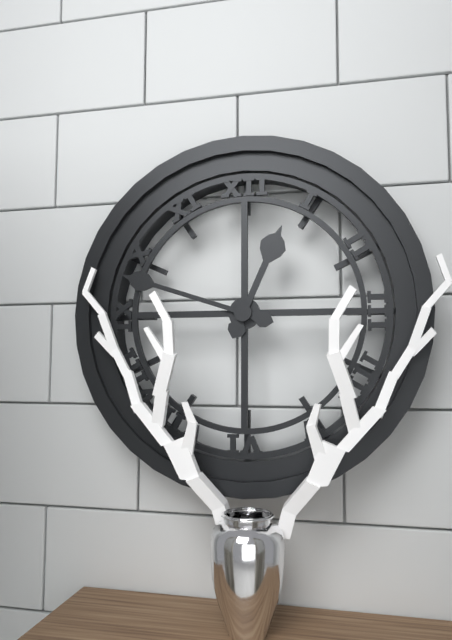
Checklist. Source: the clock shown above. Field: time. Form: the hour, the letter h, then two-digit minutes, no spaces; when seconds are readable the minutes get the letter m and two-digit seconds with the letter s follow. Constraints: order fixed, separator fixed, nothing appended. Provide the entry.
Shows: 12h48
